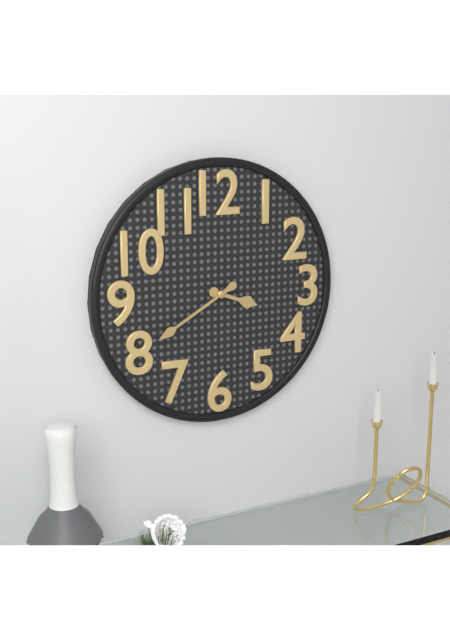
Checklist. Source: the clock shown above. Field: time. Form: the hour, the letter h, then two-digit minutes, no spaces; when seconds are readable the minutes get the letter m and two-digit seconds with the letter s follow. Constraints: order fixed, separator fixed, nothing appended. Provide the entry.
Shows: 3h40
